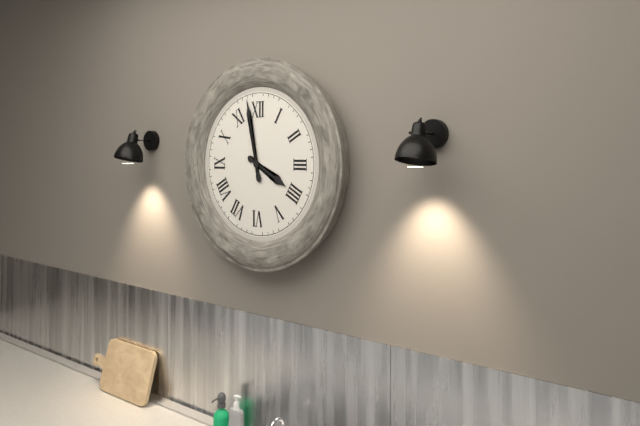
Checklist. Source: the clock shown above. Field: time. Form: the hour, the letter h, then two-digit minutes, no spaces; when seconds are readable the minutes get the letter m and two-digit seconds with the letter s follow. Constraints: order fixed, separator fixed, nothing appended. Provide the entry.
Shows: 3h58
